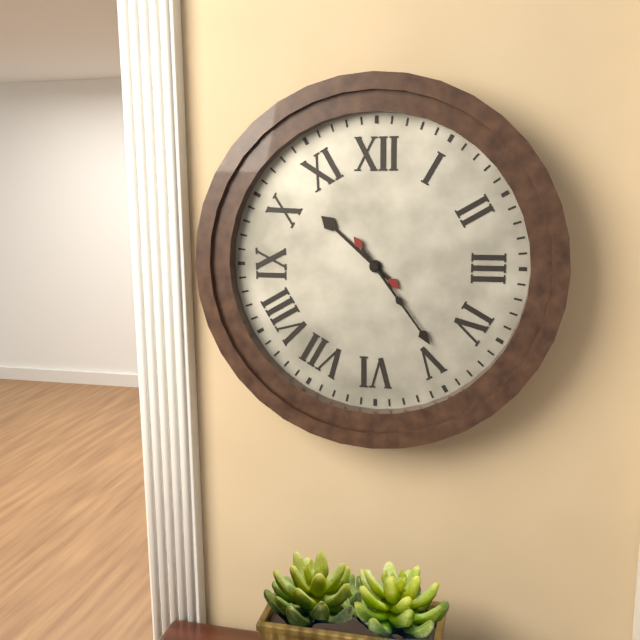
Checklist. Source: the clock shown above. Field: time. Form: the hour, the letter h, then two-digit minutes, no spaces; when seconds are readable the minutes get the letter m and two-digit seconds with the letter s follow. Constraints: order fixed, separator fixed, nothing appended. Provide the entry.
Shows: 10h24
